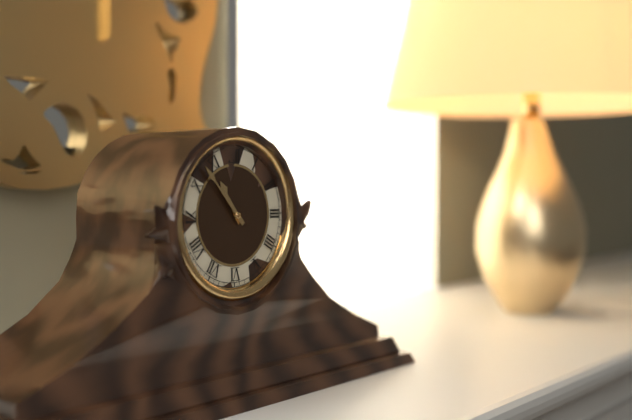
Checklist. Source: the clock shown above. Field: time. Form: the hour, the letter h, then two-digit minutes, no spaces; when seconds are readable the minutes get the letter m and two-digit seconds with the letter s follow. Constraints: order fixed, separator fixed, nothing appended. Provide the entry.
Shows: 10h53
